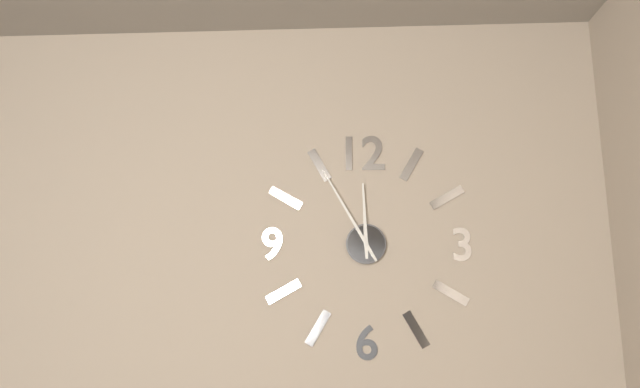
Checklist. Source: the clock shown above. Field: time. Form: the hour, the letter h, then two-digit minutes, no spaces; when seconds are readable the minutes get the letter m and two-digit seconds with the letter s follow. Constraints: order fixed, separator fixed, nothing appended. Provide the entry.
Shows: 11h55
